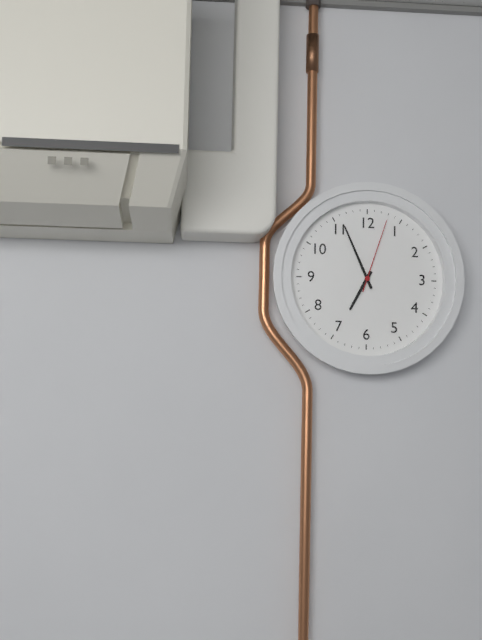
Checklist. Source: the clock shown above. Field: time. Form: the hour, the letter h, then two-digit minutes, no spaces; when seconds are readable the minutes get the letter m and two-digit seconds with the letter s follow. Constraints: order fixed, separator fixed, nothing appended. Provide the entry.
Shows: 6h56m03s
